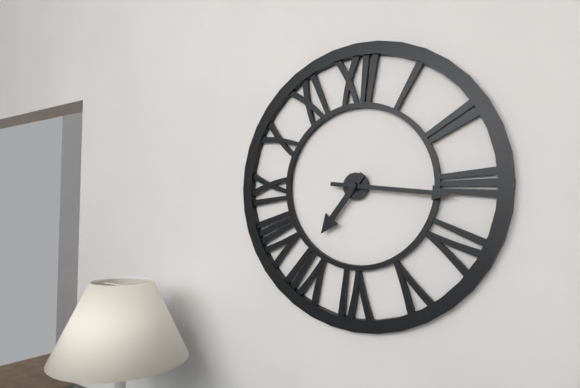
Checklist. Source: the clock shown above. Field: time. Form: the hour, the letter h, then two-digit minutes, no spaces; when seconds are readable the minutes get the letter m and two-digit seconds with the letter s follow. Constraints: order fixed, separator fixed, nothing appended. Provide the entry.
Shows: 7h16
